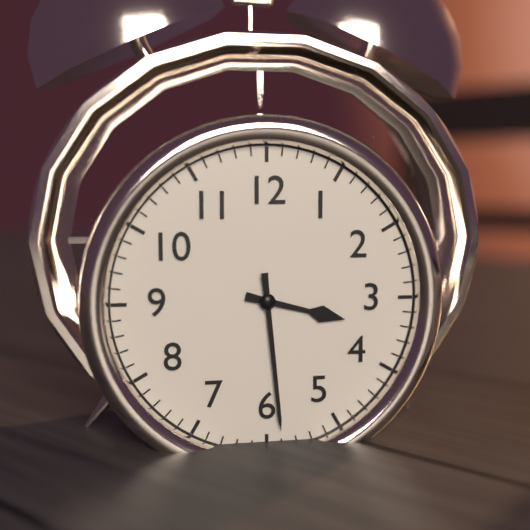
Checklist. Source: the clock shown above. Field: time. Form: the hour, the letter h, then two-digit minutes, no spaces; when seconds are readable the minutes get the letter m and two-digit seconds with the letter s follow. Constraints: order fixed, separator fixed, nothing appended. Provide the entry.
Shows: 3h29
